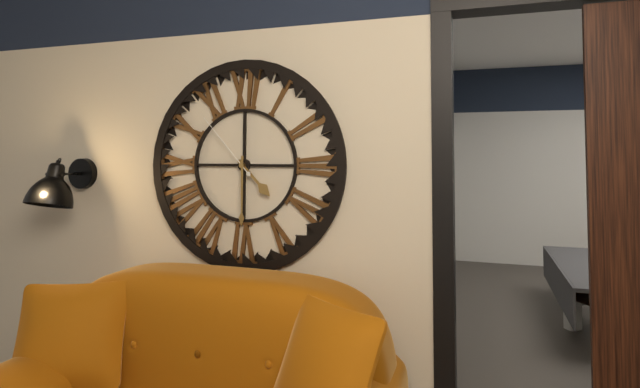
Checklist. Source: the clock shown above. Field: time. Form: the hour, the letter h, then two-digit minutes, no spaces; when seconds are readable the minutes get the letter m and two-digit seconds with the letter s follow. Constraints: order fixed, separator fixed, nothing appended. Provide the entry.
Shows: 4h30m53s
